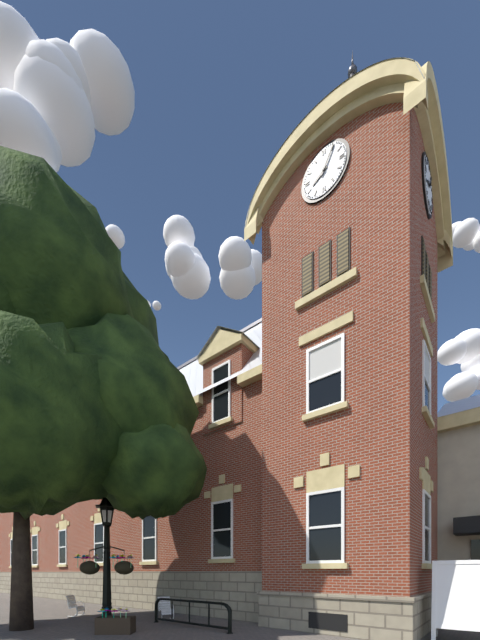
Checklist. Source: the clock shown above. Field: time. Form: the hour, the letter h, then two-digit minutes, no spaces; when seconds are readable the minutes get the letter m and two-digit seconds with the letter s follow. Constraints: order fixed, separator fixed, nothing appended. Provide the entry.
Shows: 8h05
